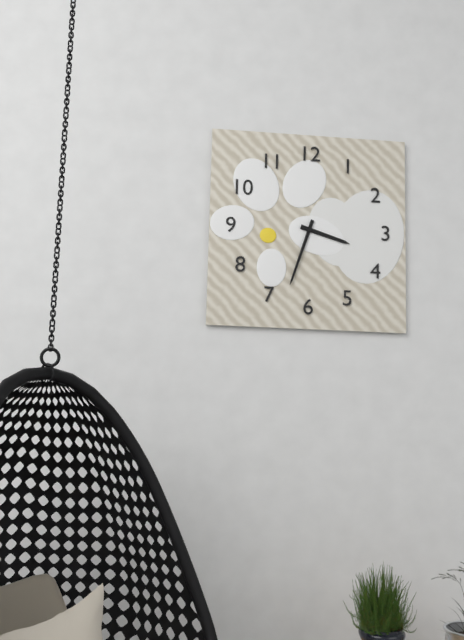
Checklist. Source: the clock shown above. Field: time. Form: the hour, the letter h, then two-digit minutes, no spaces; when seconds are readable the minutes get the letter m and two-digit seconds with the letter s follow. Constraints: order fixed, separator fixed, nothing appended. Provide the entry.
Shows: 3h33
